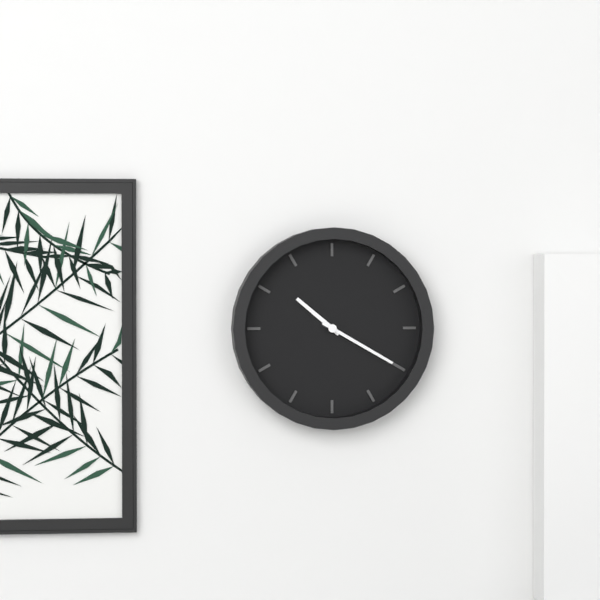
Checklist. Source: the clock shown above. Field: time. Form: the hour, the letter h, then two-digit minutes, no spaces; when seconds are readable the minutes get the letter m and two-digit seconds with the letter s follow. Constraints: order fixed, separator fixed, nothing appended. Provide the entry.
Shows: 10h20
